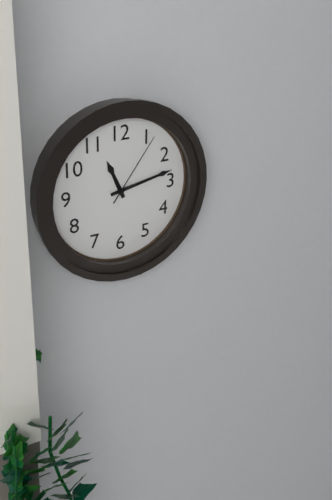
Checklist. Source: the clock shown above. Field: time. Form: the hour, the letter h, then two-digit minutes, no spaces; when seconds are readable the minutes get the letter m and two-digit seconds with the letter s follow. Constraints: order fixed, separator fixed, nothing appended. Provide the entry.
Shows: 11h13m06s
